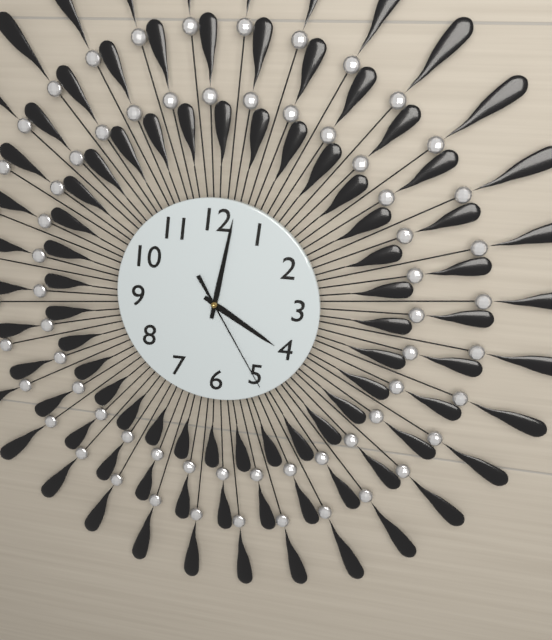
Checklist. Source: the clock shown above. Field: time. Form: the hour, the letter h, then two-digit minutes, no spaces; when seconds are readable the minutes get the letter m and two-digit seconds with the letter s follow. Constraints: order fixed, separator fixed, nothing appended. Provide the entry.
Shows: 4h02m25s
